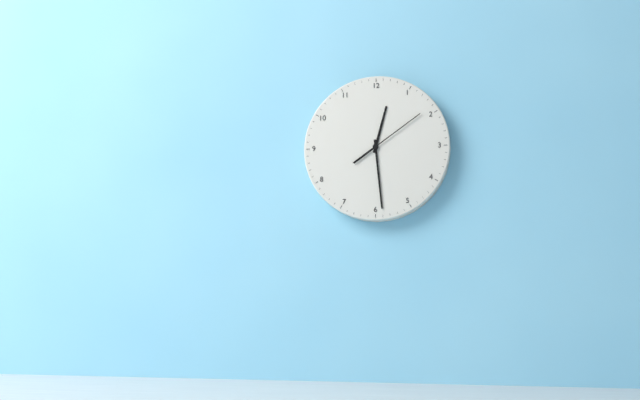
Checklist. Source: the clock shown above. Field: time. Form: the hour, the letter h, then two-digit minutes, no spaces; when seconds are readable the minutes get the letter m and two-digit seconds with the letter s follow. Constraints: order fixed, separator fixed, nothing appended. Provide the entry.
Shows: 12h29m09s
